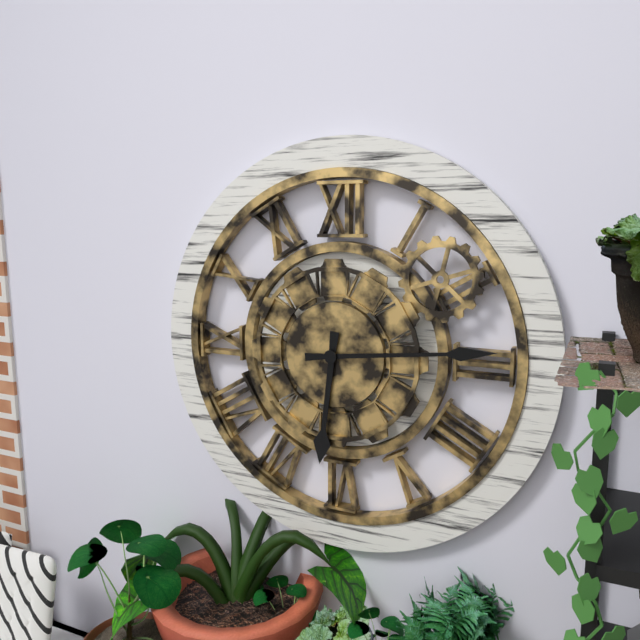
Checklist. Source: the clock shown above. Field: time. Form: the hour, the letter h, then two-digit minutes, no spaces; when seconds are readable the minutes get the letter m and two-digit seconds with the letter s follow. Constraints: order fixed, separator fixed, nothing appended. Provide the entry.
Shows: 6h14
